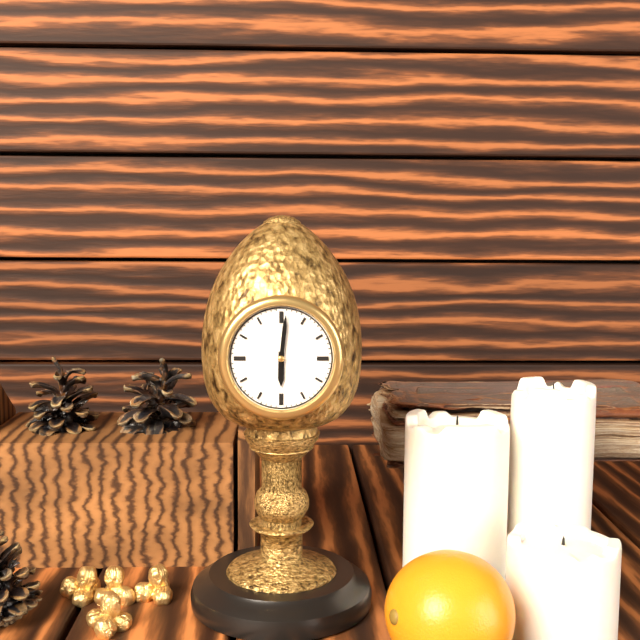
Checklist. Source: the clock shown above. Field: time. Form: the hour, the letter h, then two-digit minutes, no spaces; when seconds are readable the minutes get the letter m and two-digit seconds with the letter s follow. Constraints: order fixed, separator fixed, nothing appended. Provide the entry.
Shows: 6h01
